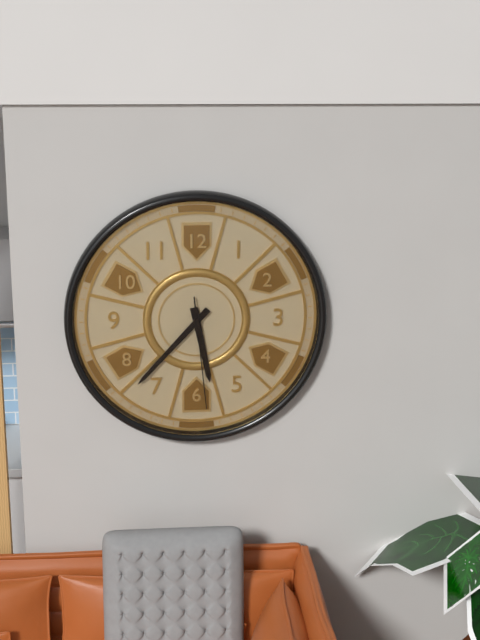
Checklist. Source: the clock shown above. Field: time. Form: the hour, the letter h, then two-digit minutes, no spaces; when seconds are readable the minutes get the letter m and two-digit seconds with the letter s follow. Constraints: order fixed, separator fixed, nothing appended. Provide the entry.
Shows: 5h37m29s
